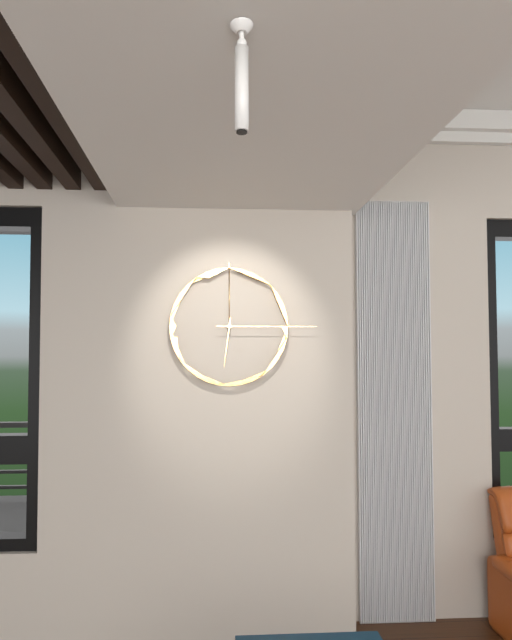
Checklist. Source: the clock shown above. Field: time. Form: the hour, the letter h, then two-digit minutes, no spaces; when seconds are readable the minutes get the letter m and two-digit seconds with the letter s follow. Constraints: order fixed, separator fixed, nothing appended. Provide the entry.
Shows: 6h15
